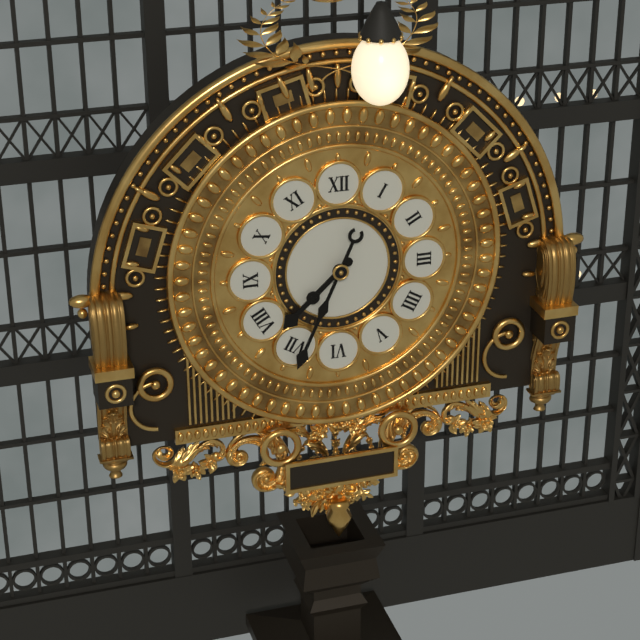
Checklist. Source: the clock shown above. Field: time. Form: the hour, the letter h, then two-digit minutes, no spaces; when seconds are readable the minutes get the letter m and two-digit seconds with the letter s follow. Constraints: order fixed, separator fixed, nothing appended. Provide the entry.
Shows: 7h34
